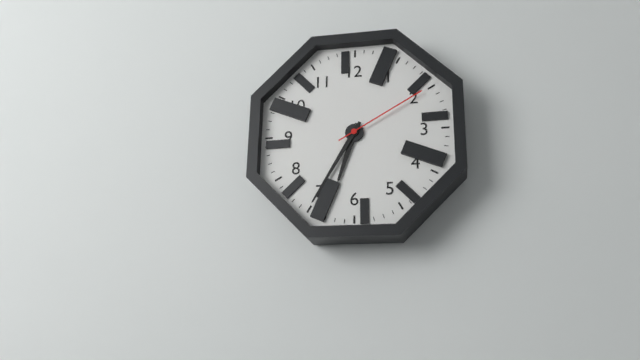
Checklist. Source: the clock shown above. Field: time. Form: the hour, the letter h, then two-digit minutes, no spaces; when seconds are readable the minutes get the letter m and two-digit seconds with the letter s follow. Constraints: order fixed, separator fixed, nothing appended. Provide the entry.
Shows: 6h35m10s
